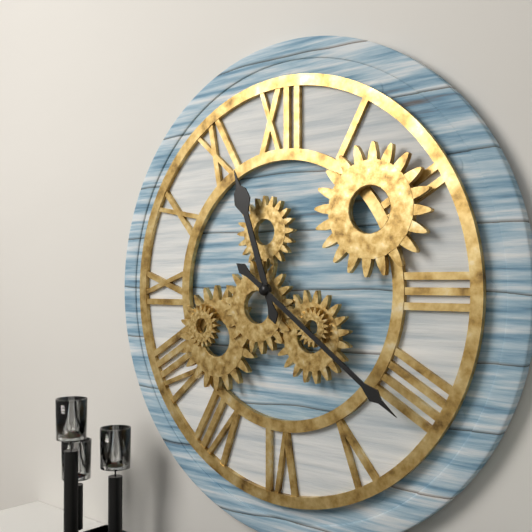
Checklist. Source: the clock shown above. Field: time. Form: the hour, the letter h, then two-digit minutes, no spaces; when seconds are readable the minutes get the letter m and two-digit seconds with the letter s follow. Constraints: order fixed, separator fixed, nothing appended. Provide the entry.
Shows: 11h21
